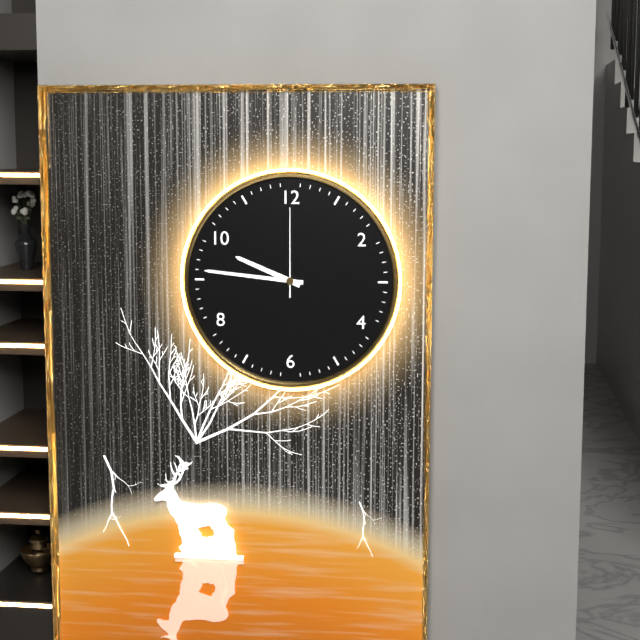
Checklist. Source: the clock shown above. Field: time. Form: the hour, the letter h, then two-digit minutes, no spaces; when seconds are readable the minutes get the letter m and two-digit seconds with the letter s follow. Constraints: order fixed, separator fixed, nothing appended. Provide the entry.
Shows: 9h46m00s
